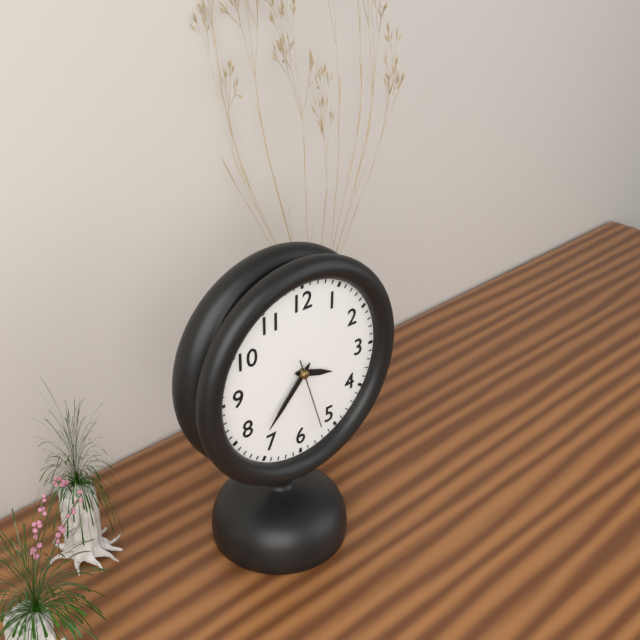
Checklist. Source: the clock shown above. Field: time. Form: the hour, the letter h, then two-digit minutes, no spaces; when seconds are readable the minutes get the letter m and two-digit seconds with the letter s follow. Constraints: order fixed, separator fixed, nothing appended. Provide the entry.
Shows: 3h37m27s
